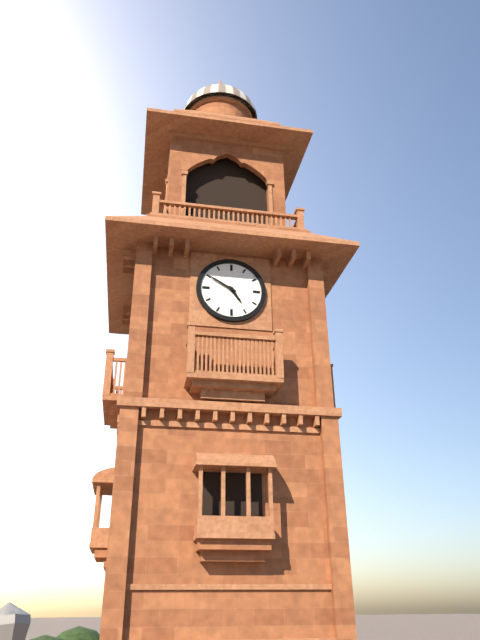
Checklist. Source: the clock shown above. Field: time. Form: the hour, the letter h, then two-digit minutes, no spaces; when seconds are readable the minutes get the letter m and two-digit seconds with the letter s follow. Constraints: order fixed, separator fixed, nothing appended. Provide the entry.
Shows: 4h50
